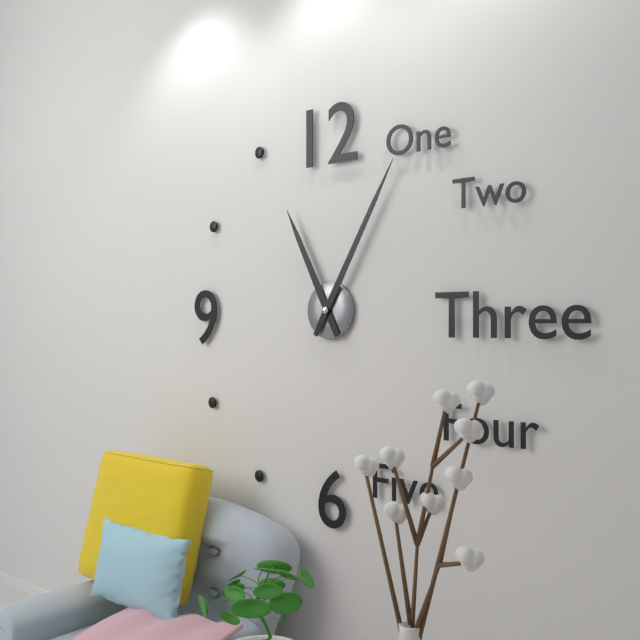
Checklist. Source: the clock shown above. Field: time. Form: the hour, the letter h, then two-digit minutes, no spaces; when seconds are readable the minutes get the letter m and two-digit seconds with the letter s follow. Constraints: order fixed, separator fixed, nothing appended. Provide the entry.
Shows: 11h05
